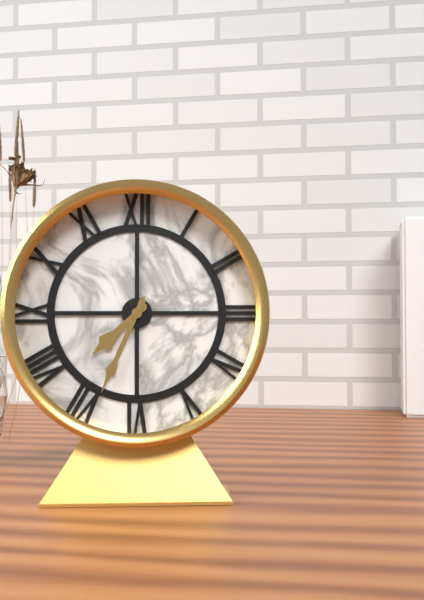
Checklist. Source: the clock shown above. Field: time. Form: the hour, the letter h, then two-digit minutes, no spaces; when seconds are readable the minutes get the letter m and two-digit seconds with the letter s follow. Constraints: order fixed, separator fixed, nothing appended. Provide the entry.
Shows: 7h34
